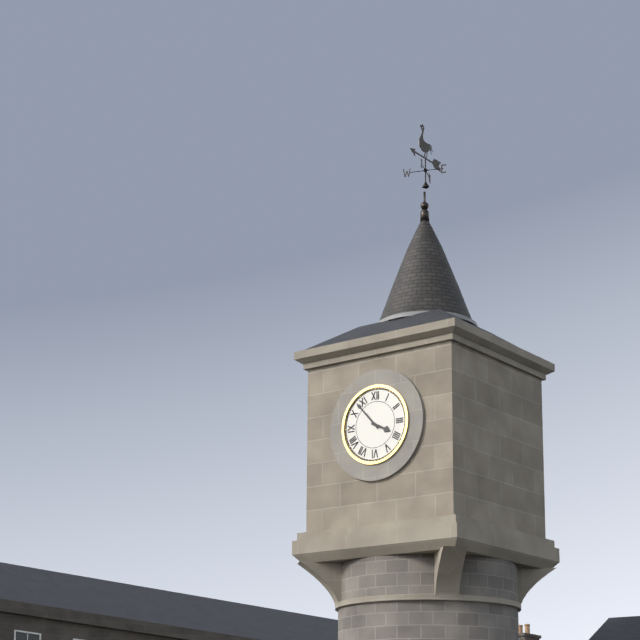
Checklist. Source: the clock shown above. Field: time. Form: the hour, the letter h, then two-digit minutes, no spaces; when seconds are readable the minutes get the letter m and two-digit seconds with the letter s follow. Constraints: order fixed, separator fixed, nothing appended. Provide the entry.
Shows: 3h53
